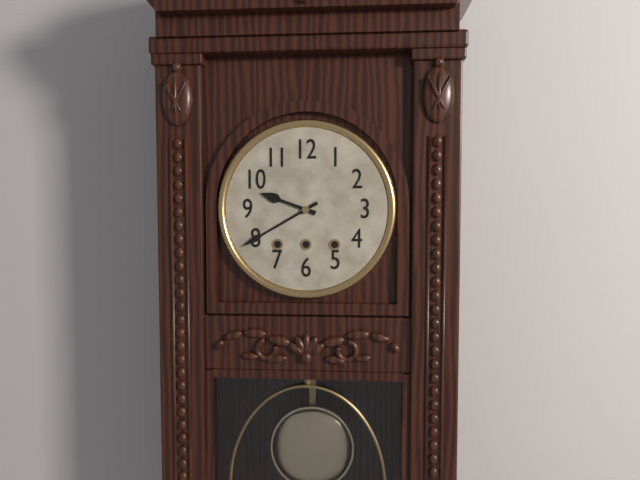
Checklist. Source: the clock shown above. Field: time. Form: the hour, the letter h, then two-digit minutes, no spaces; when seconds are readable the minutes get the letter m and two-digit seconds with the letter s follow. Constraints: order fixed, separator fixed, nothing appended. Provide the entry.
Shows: 9h40
